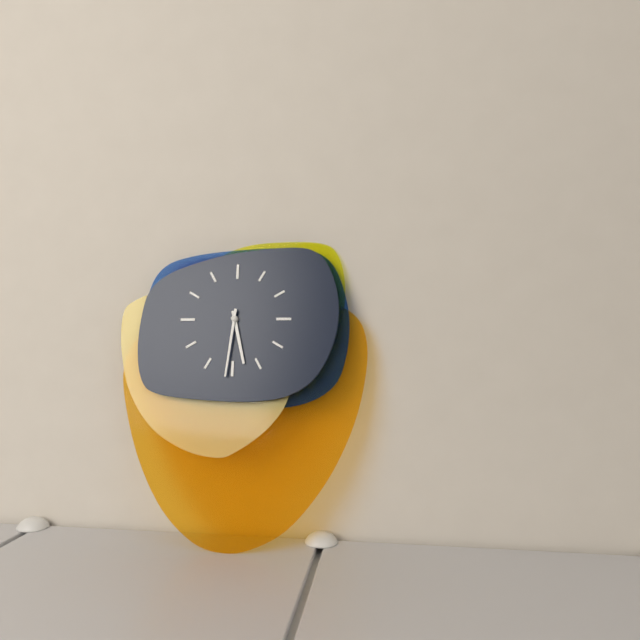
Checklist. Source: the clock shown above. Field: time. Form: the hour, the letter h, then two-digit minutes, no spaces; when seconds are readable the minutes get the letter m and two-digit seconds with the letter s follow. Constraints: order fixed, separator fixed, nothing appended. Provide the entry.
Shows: 5h31
